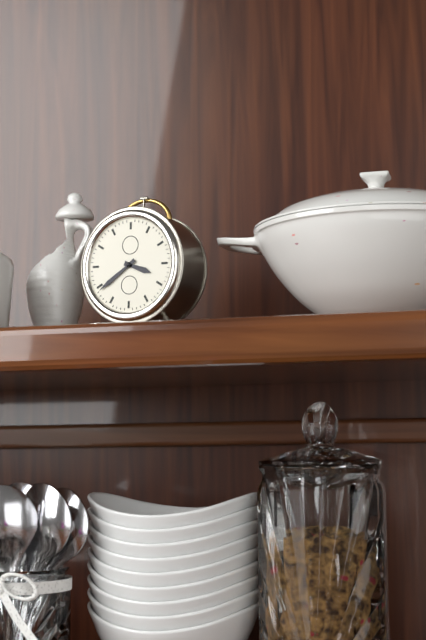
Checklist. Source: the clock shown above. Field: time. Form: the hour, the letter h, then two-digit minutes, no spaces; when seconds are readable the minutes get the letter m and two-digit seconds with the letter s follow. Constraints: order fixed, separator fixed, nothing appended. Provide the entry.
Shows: 3h39
